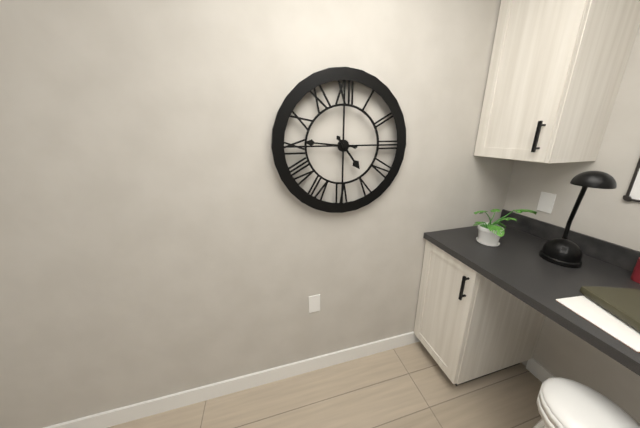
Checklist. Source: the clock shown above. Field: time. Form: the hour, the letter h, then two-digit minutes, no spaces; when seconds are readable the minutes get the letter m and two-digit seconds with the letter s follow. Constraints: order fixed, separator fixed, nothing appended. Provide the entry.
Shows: 4h46
